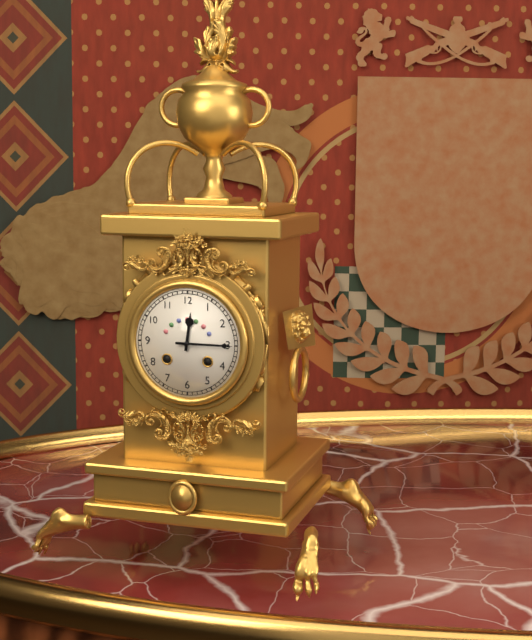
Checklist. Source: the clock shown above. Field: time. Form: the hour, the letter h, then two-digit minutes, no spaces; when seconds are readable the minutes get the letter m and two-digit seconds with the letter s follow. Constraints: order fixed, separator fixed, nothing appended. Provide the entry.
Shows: 12h15
